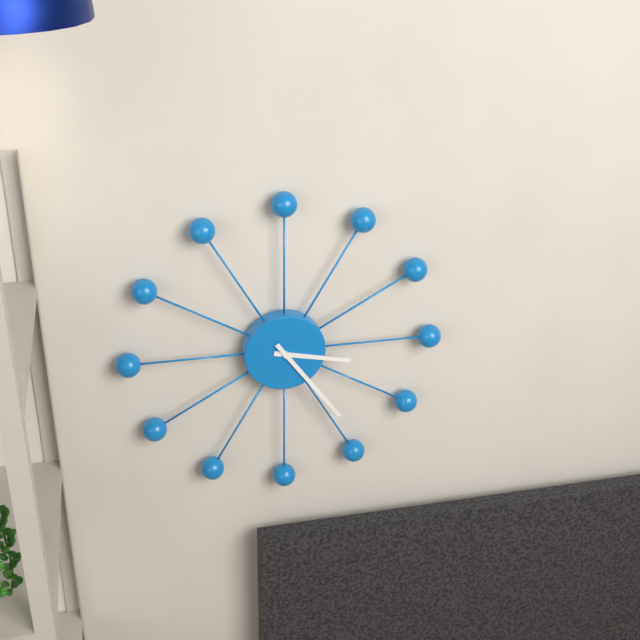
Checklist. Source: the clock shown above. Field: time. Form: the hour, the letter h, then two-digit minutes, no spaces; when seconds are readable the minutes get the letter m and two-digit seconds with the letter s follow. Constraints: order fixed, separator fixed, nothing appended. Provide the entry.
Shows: 3h24
